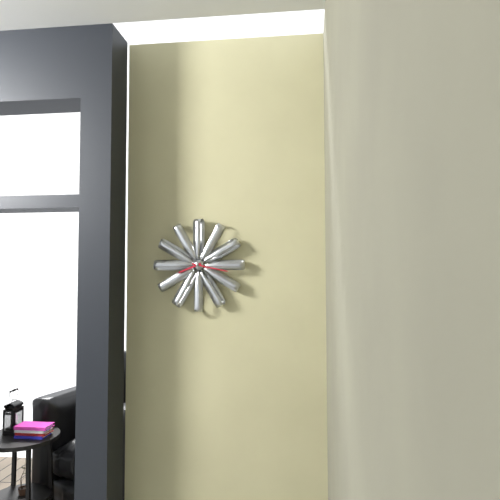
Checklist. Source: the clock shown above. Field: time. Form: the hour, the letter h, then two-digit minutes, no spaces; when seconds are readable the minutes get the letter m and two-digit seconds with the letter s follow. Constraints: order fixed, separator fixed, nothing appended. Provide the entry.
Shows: 8h17
